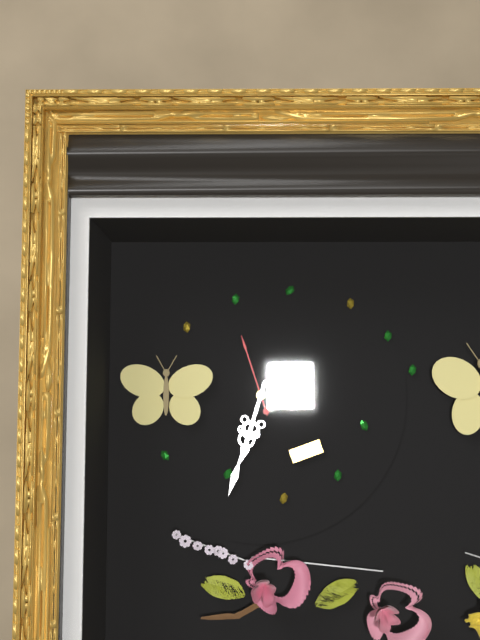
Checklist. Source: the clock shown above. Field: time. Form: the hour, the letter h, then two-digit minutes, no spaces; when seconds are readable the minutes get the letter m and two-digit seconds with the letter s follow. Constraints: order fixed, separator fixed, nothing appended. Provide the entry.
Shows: 6h33m57s
